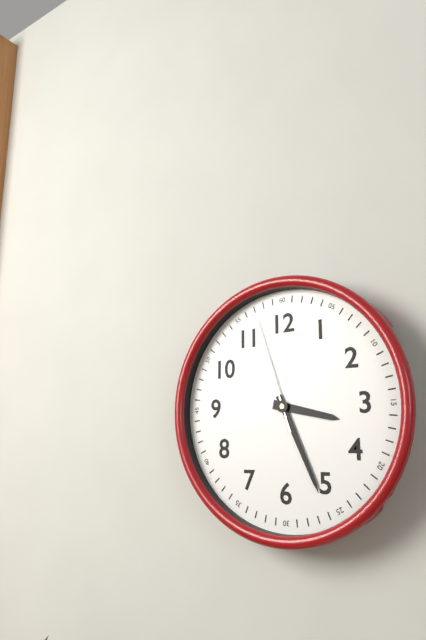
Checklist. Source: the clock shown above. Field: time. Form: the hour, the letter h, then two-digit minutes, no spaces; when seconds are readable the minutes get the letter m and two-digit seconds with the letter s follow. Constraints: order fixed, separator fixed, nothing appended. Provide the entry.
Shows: 3h26m57s
